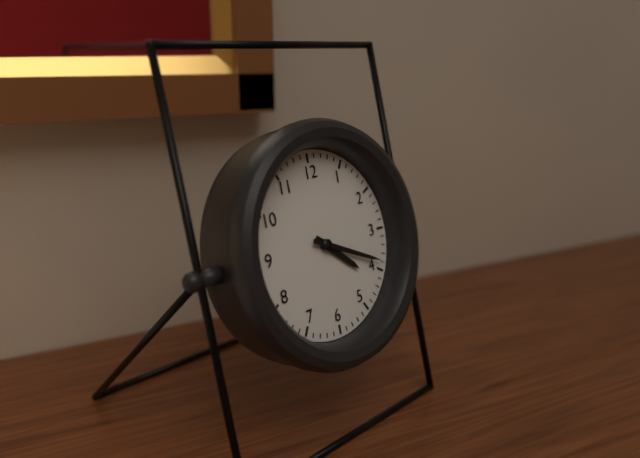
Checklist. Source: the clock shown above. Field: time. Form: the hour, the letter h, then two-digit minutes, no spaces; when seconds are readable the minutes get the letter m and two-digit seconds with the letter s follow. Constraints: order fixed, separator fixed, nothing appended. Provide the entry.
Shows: 4h19
